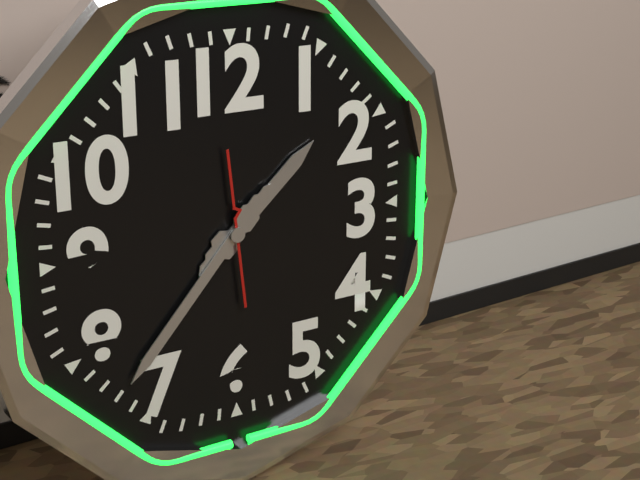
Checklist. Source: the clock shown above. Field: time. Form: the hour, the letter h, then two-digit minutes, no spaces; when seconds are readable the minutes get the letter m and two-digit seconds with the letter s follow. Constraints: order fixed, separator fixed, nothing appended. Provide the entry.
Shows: 1h37m59s
